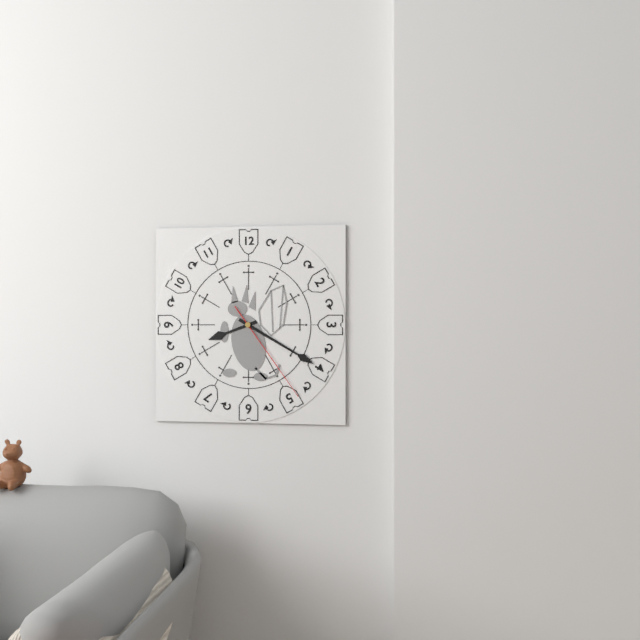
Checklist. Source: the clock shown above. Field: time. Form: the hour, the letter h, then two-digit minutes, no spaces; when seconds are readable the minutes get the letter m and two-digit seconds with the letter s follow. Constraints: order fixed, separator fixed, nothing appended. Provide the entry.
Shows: 8h20m24s
